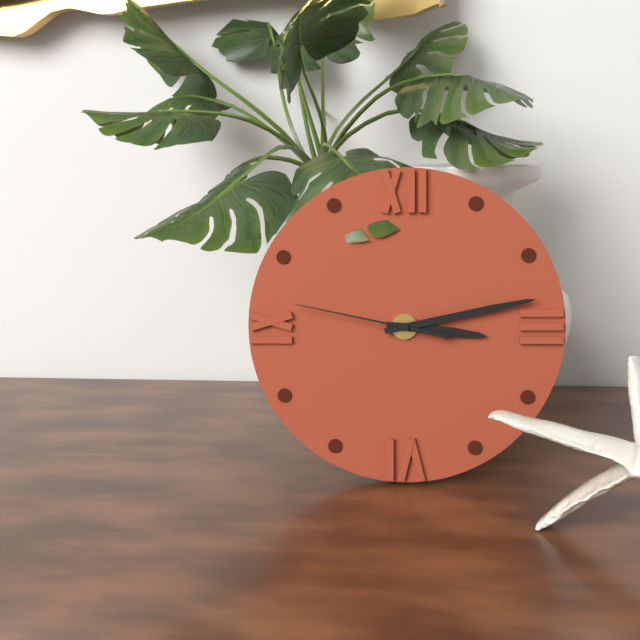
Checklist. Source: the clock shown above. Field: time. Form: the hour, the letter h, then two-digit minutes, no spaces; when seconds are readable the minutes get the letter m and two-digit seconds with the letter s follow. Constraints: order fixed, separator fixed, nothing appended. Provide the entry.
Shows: 3h13m47s
